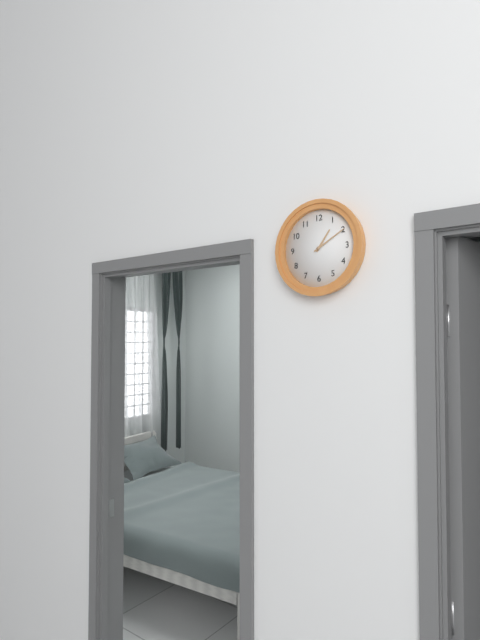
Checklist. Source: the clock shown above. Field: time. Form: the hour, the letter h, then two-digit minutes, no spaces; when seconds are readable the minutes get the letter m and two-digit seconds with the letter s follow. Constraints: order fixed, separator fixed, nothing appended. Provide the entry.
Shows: 1h10
